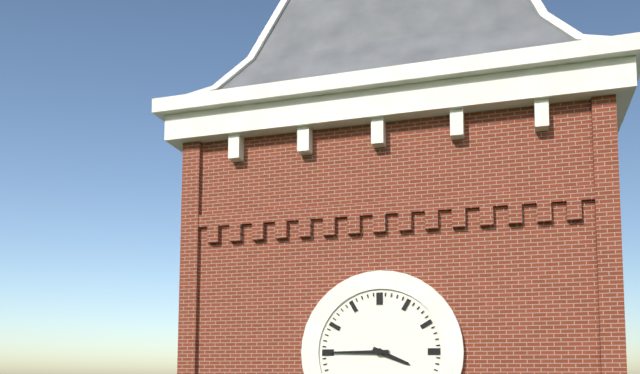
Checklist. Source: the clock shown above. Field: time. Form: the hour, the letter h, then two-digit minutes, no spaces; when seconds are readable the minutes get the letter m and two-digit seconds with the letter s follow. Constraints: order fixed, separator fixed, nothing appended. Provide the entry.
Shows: 3h45
